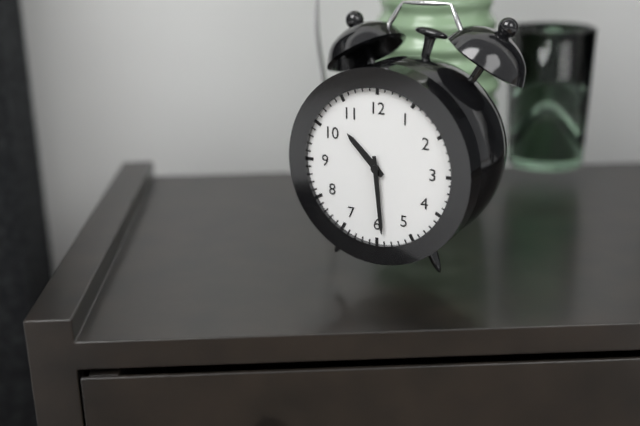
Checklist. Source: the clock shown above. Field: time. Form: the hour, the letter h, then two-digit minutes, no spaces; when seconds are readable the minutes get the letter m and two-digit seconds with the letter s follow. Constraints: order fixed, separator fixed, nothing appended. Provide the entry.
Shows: 10h29
